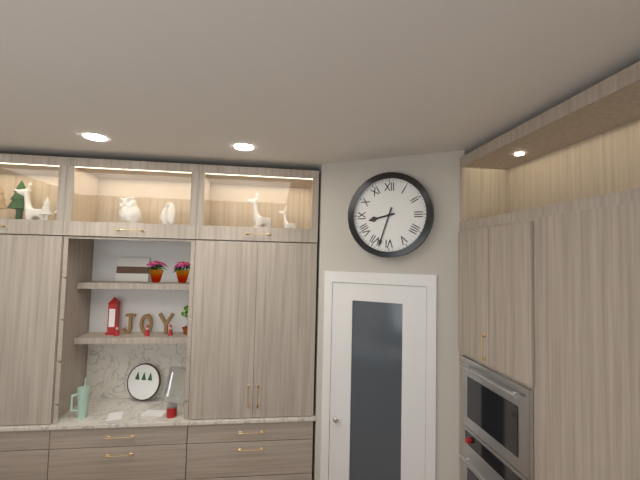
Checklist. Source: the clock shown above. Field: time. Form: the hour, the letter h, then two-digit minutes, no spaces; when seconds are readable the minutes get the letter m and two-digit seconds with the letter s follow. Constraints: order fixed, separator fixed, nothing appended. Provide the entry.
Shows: 8h33
